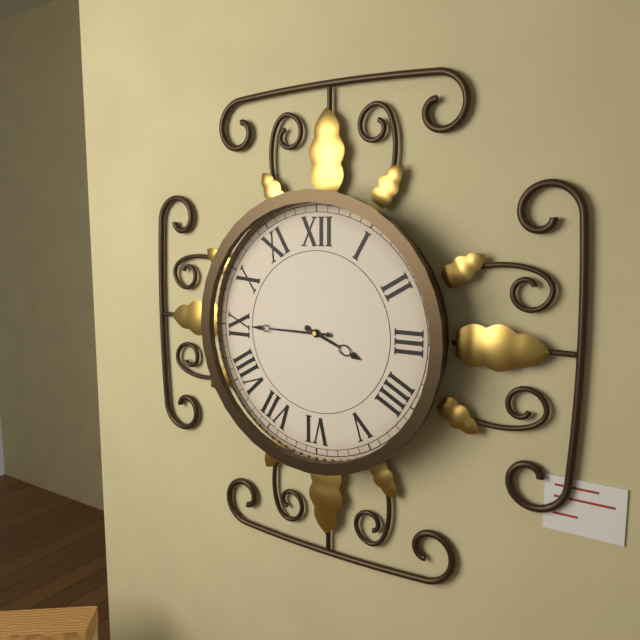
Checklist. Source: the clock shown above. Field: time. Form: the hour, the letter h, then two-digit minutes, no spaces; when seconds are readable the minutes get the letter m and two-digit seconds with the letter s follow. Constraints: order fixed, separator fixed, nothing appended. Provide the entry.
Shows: 3h45
